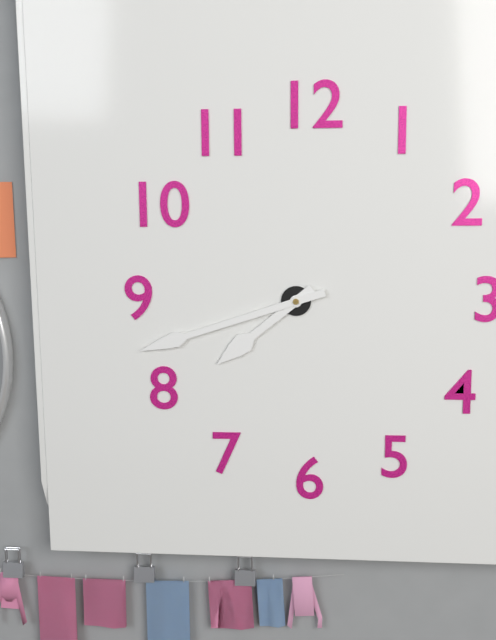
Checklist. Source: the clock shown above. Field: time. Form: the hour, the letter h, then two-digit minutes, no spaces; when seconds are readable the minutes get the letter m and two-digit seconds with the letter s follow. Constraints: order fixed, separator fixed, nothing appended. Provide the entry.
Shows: 7h42
